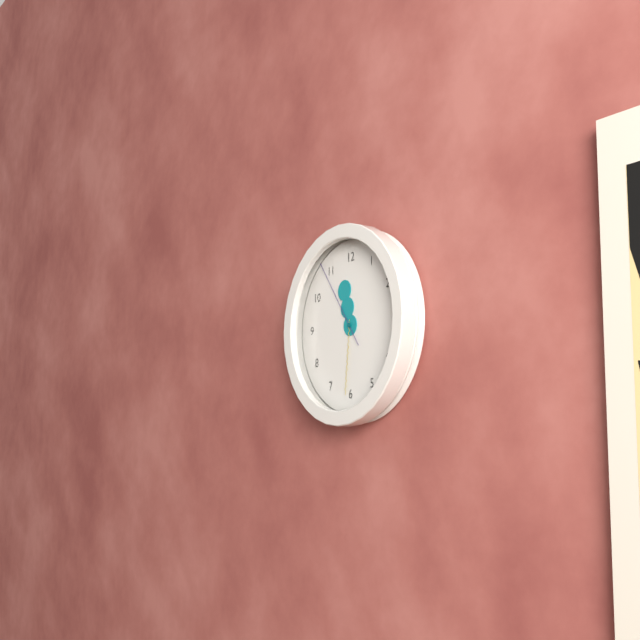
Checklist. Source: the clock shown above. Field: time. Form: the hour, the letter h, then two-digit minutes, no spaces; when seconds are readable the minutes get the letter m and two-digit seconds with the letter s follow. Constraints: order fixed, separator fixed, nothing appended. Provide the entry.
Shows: 11h31m54s
